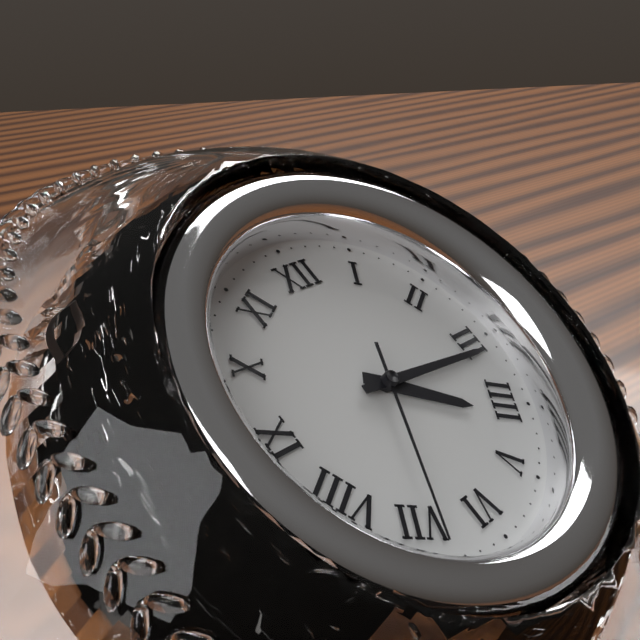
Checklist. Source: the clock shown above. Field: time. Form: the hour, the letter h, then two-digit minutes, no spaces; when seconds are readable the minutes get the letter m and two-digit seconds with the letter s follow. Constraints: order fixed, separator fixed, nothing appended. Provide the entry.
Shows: 4h16m34s
